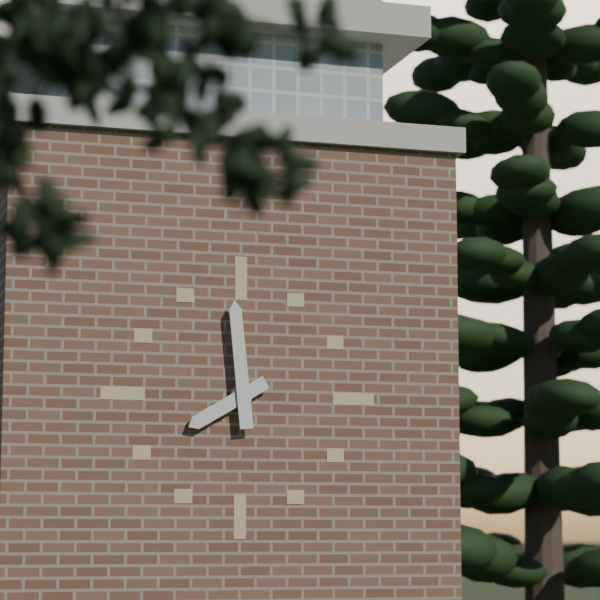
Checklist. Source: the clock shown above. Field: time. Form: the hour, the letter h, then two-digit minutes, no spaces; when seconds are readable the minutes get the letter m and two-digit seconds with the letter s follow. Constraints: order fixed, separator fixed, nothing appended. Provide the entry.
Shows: 7h59
